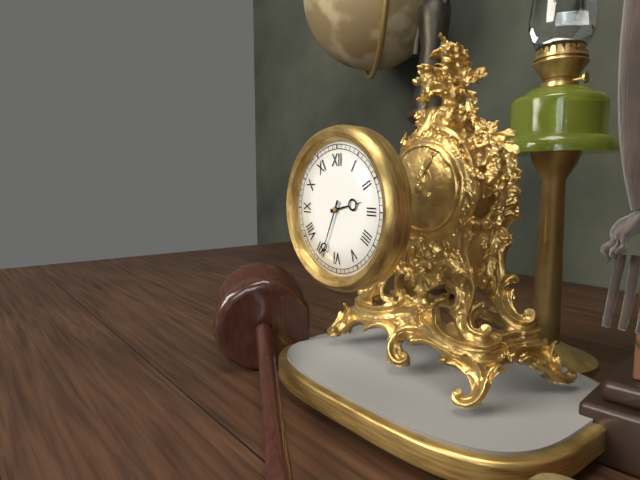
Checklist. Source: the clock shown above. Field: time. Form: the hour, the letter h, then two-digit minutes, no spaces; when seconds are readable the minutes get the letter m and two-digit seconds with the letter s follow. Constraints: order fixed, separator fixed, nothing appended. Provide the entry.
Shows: 2h34
